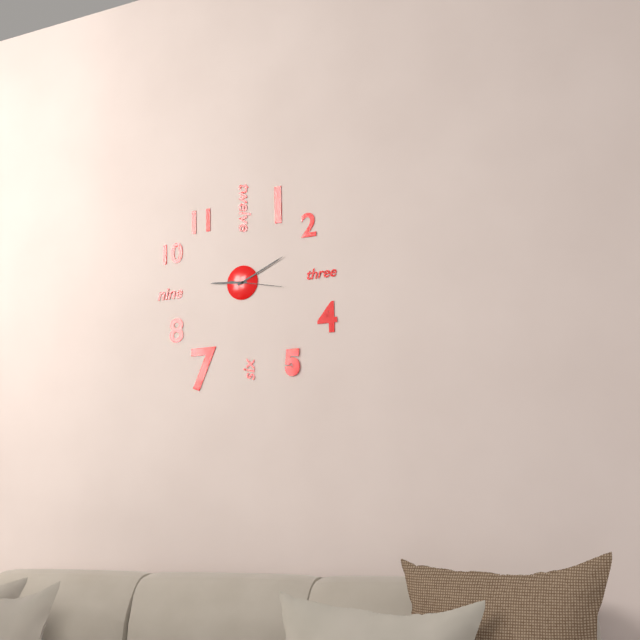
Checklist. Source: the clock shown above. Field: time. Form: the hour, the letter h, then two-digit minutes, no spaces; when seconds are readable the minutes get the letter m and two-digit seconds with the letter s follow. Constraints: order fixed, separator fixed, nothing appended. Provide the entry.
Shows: 9h11m17s
